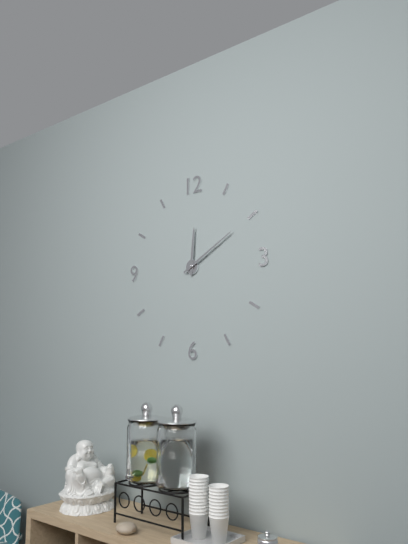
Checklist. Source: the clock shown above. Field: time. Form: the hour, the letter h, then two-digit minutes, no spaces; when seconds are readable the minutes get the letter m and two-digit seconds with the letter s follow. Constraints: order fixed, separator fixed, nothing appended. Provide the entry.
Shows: 12h10
